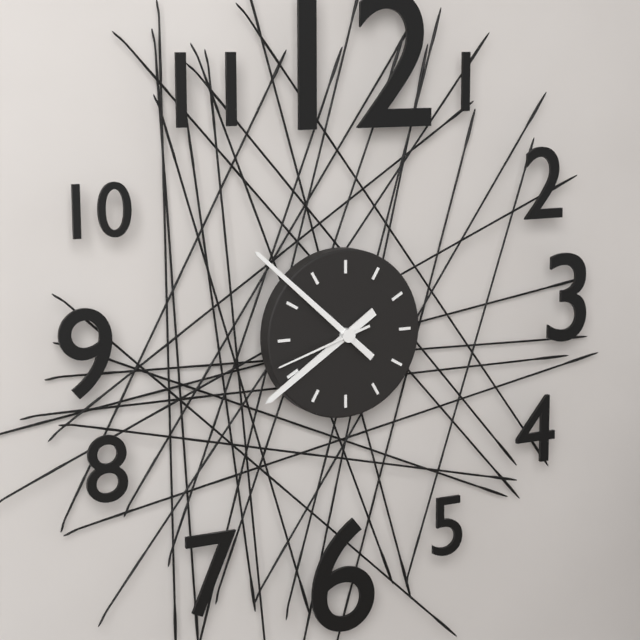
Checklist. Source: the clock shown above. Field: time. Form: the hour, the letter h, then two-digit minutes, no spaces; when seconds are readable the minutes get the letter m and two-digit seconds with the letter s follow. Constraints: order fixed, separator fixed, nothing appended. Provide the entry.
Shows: 7h52m42s
